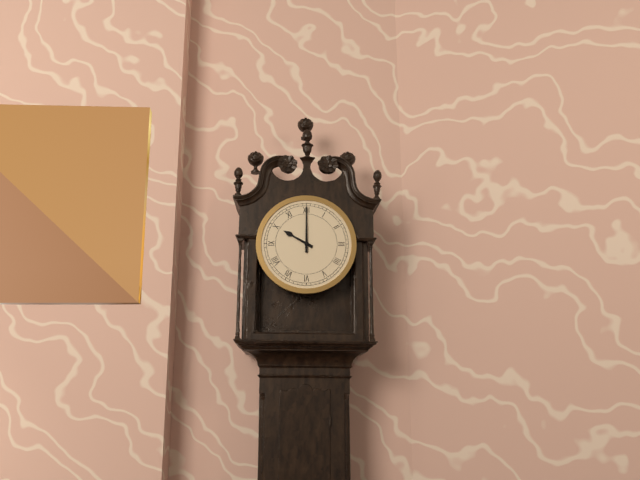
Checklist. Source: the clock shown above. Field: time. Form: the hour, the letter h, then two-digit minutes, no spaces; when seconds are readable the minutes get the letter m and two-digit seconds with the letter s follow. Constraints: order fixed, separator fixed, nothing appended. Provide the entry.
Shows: 10h00
